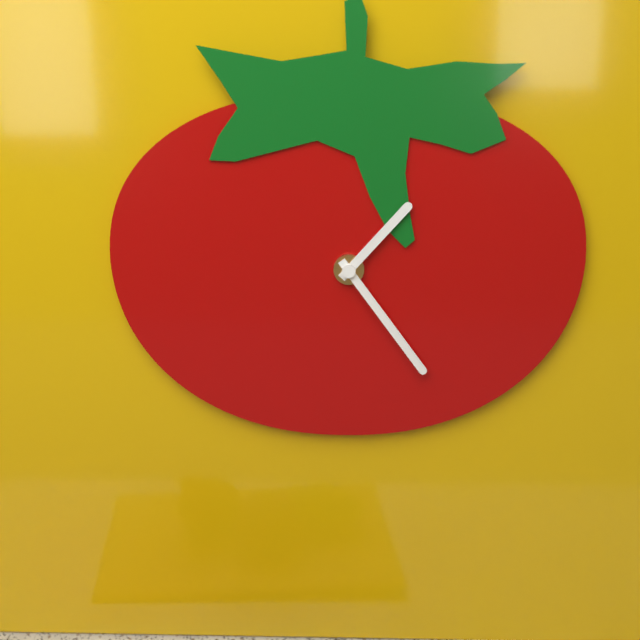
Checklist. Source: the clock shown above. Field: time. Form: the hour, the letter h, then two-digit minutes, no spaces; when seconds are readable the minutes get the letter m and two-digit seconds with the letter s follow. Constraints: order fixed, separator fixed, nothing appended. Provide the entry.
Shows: 1h24
